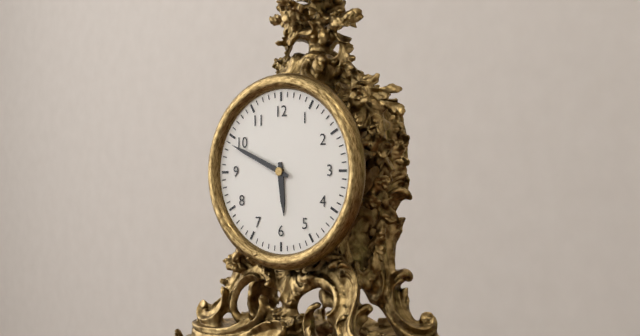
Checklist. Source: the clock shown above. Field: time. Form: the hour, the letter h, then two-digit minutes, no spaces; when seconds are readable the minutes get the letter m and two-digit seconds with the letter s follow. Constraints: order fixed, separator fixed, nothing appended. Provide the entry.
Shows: 5h49
